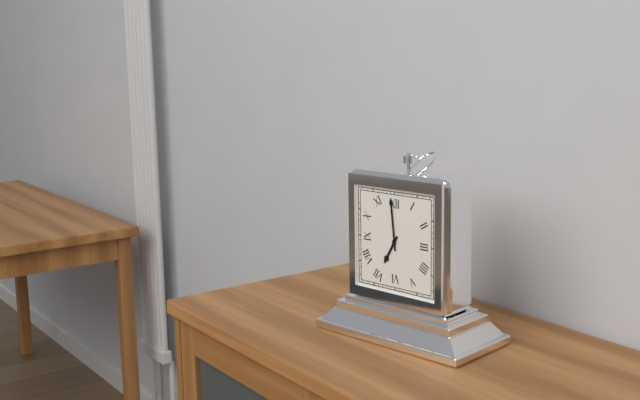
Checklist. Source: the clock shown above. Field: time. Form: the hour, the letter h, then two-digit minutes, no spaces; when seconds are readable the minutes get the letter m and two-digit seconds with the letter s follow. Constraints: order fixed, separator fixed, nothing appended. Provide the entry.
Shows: 6h59
